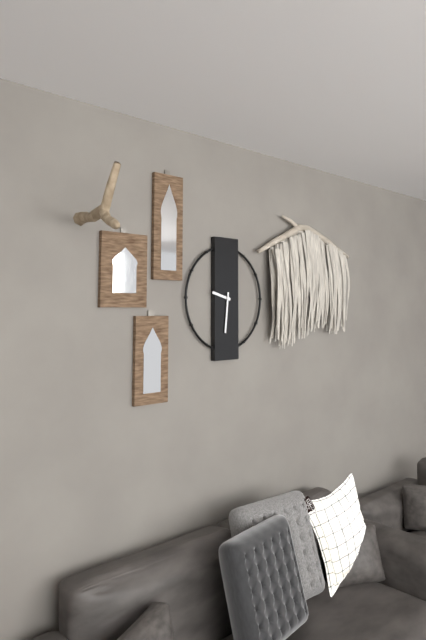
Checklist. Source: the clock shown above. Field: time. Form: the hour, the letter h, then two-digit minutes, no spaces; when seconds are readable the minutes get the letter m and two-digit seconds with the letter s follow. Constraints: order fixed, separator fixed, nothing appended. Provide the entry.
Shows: 9h31
